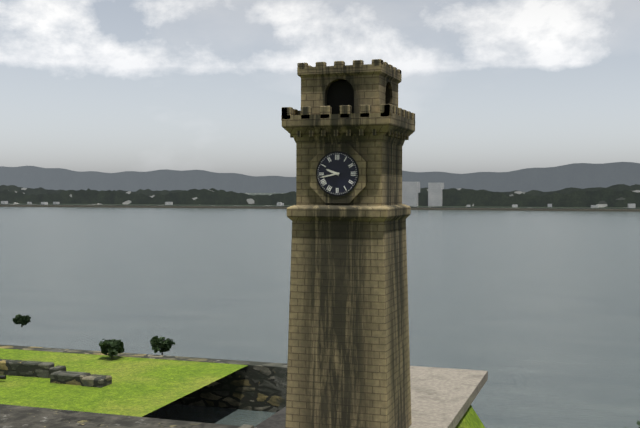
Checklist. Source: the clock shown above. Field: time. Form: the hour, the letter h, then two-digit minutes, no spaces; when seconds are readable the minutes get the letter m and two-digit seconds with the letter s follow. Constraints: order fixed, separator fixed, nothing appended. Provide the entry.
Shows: 9h43
